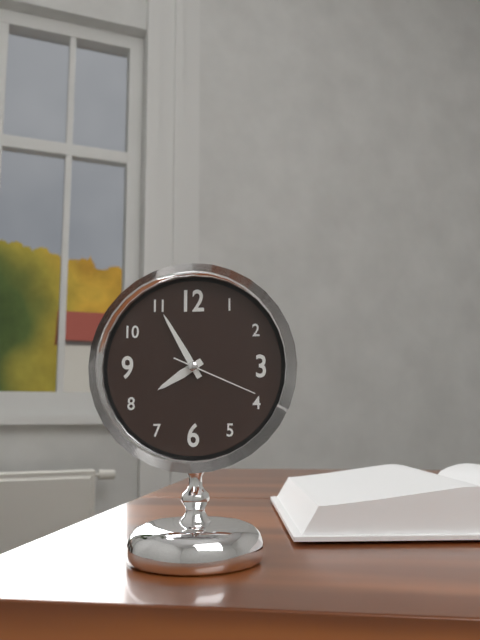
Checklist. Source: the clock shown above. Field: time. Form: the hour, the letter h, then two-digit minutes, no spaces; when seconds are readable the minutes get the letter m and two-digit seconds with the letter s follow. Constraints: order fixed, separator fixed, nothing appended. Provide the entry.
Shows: 7h55m19s
